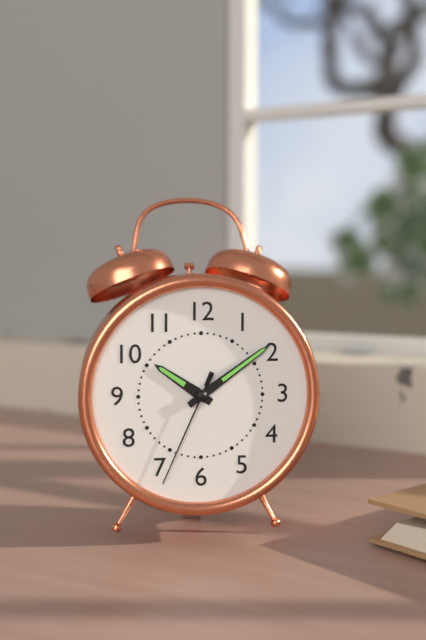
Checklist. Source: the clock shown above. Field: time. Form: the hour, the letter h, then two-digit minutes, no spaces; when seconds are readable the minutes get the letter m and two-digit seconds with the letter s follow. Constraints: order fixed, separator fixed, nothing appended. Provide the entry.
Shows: 10h09m34s
